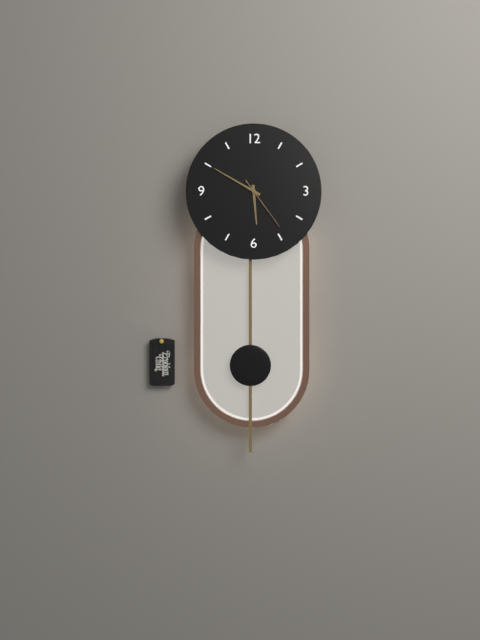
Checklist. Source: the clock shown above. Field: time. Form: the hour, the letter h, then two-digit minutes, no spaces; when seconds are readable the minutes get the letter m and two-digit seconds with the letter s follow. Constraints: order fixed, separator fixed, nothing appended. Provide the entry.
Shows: 5h50m24s
